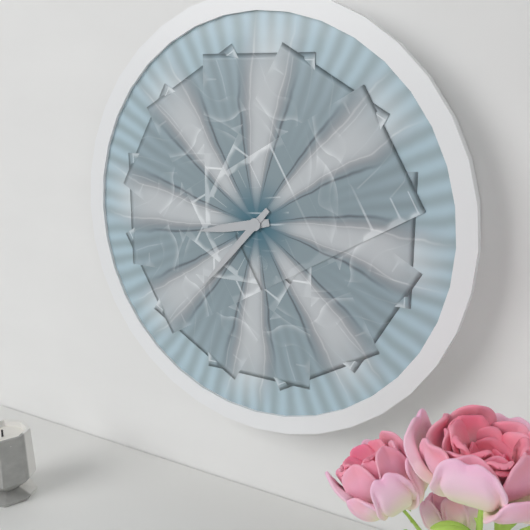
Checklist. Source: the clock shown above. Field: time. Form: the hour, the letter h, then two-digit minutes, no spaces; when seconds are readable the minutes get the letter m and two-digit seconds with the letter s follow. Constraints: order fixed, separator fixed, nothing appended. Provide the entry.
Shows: 8h37
